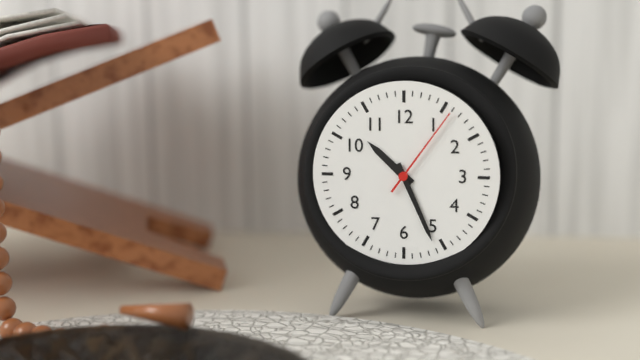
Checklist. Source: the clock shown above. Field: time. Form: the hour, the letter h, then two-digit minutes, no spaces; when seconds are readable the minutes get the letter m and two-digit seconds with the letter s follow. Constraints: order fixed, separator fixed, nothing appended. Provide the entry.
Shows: 10h26m06s
